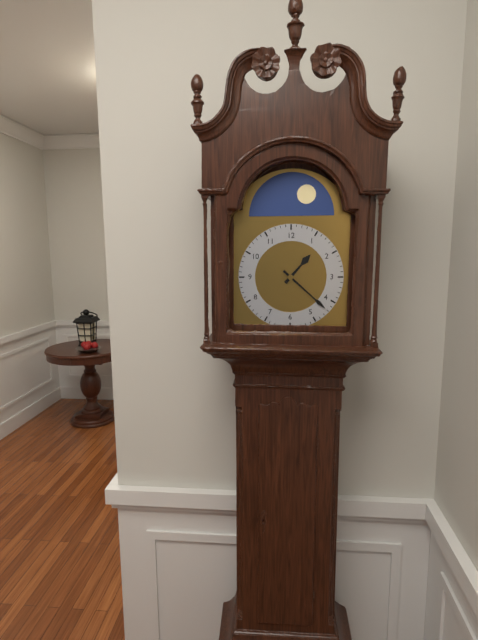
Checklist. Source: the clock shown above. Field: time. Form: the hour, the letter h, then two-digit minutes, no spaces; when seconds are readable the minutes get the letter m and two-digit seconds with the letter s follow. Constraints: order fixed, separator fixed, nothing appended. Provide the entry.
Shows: 1h22
